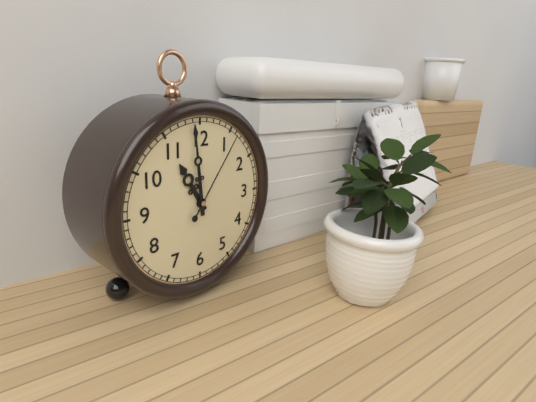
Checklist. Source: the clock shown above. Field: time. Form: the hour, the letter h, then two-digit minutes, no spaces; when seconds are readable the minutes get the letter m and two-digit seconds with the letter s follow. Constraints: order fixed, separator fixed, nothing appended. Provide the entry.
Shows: 10h59m06s
